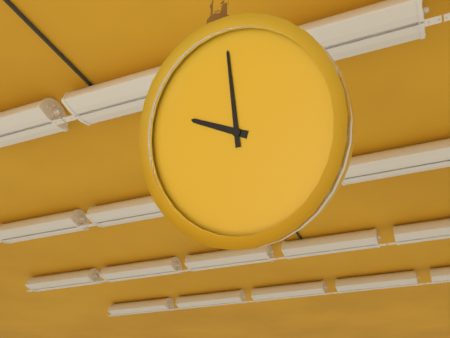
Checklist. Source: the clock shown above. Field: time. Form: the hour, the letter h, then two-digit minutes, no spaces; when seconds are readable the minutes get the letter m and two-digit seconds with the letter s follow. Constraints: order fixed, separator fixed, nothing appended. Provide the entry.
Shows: 10h01
